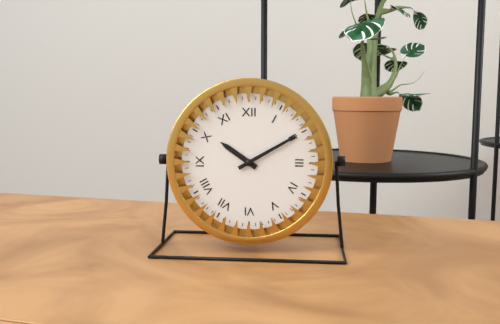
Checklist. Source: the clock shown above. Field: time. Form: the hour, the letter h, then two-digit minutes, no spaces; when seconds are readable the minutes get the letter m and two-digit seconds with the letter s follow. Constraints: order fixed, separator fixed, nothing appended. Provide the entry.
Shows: 10h10
